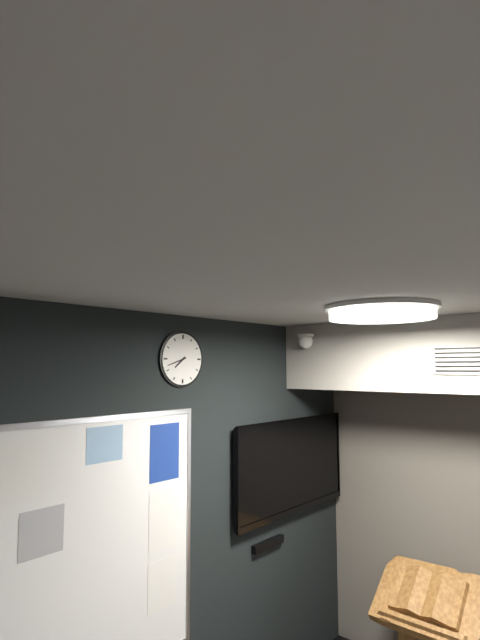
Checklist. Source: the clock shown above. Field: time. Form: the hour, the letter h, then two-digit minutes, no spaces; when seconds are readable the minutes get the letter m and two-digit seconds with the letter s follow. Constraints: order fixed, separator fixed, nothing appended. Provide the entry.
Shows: 7h42
